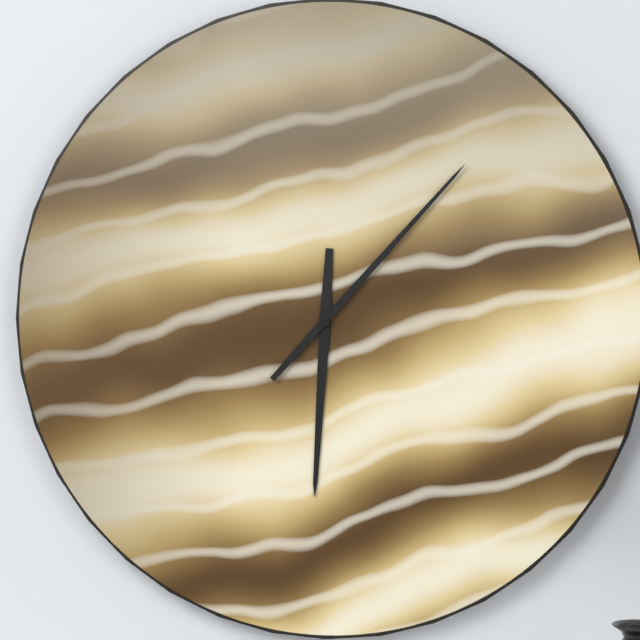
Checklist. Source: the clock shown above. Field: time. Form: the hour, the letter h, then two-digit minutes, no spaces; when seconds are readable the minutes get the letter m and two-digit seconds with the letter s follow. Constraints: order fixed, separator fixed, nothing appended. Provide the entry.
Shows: 6h07
